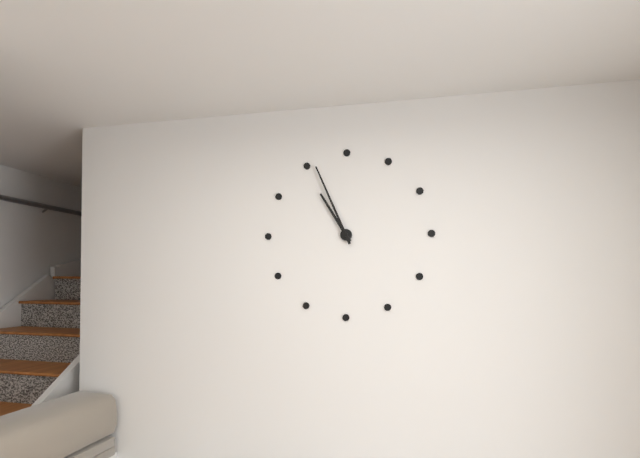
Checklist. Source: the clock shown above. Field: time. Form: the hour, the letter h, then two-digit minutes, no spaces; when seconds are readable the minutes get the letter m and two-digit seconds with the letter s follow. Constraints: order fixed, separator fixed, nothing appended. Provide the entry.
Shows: 10h56
